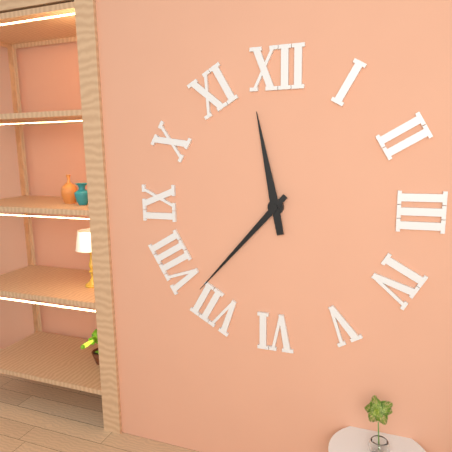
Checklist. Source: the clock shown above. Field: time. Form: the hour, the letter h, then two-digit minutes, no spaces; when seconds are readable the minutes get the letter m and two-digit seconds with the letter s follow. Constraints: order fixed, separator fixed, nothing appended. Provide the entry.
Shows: 11h37
